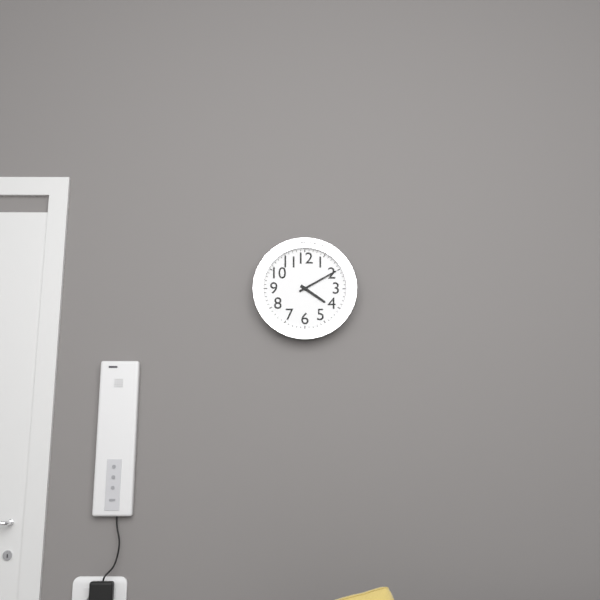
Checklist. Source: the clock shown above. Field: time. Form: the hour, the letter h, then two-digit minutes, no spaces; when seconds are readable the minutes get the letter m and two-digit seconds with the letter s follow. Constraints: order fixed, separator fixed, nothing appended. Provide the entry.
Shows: 4h10
